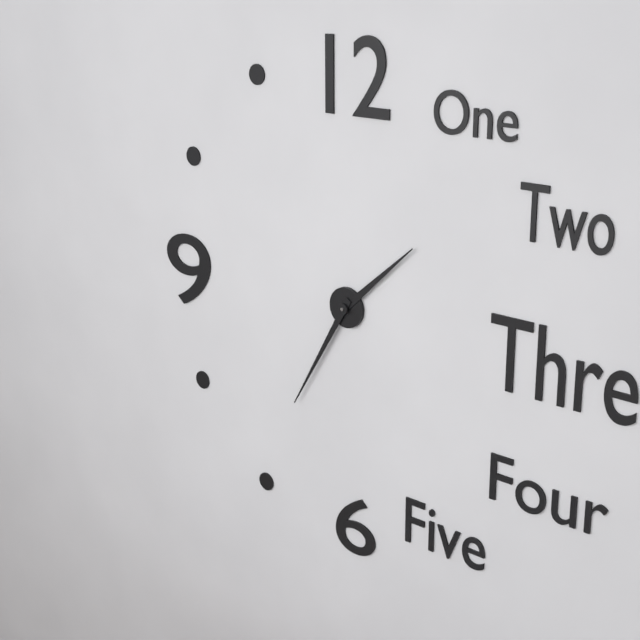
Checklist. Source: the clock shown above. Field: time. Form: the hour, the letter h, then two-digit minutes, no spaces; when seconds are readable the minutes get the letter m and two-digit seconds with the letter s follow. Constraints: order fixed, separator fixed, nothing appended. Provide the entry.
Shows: 1h35
